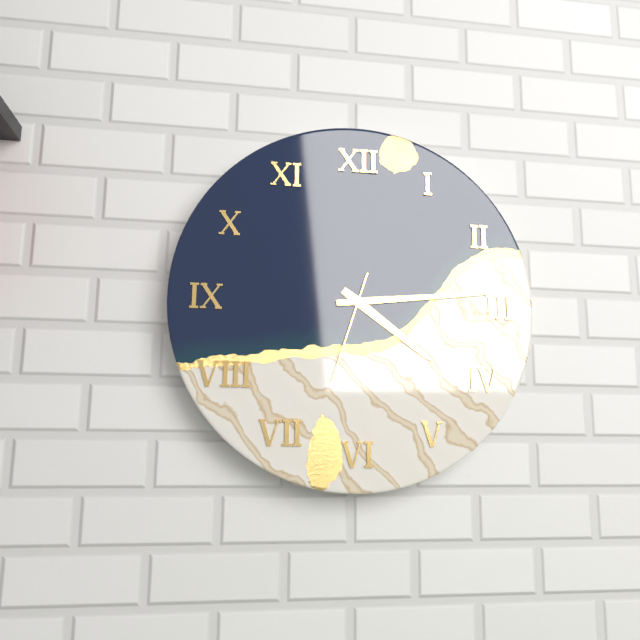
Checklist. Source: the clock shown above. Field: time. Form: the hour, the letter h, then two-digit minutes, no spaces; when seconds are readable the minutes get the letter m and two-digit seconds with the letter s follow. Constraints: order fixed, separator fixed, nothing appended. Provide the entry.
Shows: 4h14m33s
